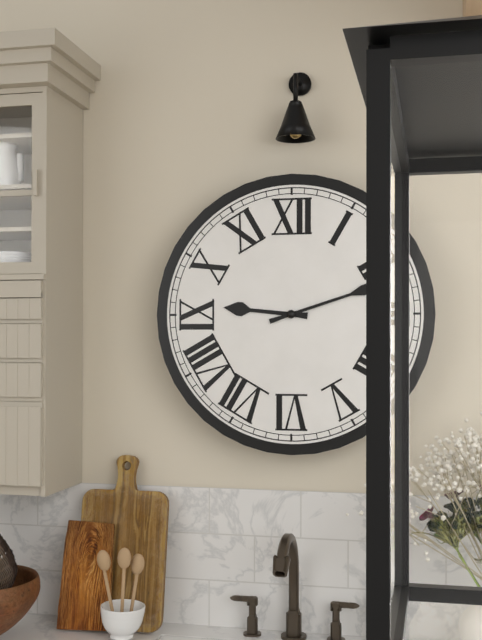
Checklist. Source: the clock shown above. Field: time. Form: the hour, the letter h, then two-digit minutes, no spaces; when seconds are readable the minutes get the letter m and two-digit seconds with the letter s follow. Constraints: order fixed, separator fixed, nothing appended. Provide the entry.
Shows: 9h12
